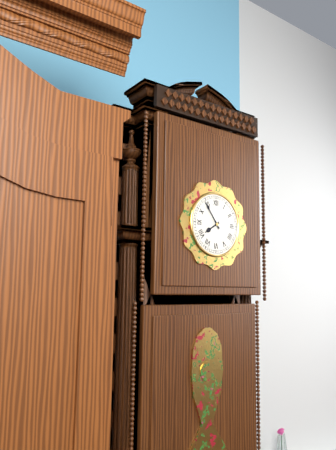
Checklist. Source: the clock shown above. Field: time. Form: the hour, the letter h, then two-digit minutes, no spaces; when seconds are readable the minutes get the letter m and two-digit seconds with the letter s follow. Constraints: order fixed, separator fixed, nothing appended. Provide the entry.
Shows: 7h54
